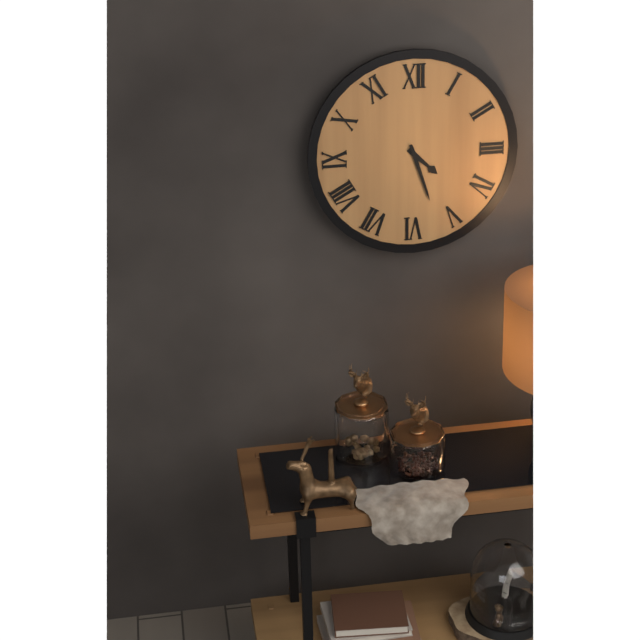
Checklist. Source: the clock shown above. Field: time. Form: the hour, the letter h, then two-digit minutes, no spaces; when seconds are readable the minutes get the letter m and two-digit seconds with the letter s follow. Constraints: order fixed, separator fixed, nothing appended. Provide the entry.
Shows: 4h27
